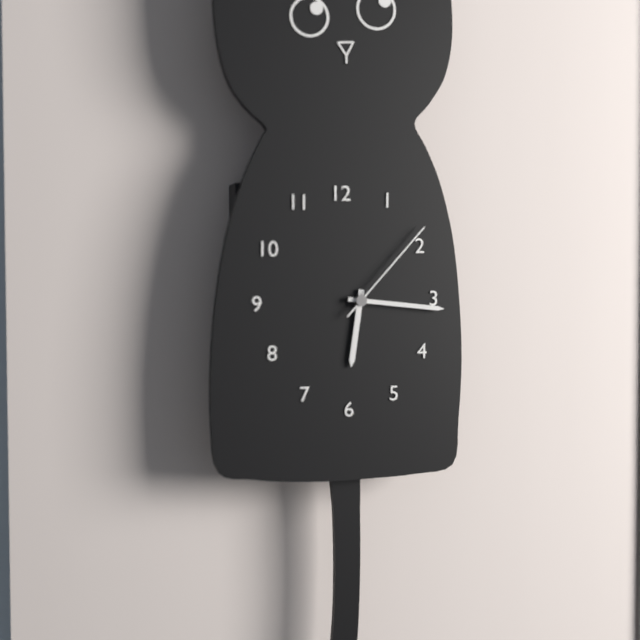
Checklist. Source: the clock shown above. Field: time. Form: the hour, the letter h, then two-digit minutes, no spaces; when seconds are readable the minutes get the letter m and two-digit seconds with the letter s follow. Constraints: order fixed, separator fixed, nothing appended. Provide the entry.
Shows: 6h16m07s
